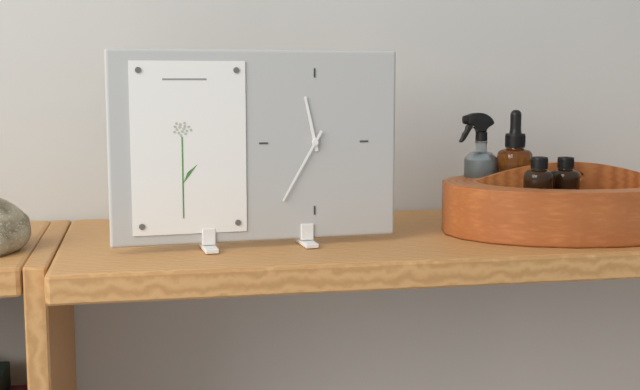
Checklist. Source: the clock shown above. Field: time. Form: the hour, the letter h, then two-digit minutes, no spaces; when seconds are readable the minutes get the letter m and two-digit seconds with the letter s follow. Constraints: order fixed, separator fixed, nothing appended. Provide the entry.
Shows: 11h35
